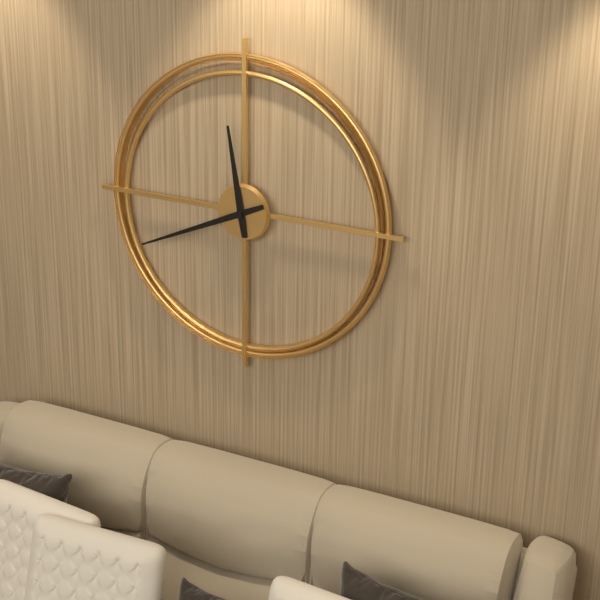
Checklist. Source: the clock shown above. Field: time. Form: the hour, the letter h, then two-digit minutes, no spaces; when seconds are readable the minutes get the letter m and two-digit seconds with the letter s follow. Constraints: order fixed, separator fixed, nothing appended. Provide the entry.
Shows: 11h41
